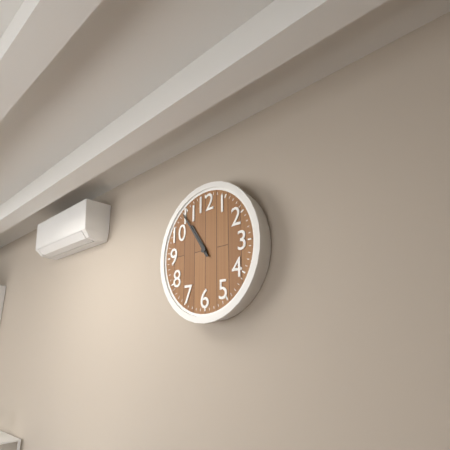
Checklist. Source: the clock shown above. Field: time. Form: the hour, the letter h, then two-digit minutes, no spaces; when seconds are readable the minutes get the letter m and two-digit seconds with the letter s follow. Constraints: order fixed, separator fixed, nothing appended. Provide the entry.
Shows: 10h54
